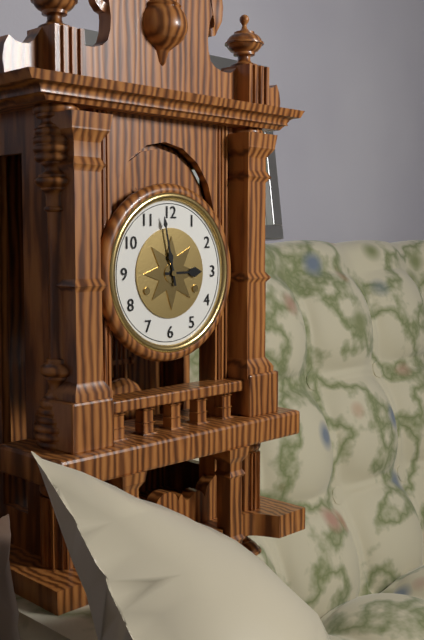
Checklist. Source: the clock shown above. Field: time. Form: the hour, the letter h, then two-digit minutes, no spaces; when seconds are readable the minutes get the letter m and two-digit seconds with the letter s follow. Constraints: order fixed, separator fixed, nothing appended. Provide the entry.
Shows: 2h58
